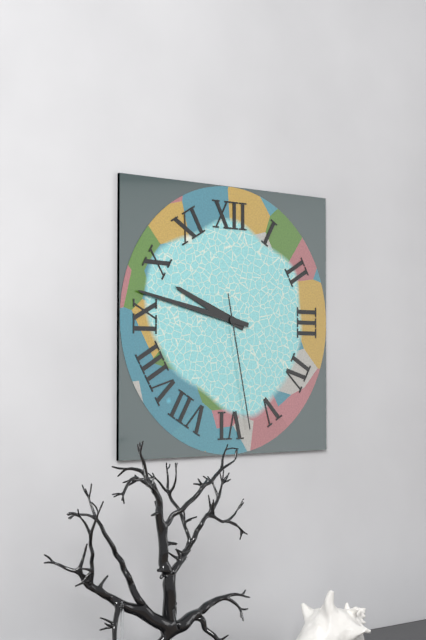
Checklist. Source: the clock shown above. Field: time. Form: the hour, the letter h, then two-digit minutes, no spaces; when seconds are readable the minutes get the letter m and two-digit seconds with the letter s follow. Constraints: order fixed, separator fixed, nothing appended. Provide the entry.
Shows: 9h47m28s
